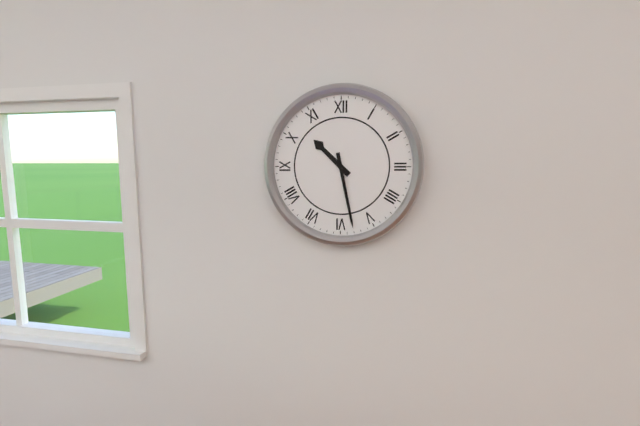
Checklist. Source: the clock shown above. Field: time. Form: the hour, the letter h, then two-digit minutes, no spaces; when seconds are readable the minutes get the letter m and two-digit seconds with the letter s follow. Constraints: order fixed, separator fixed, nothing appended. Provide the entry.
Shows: 10h28
